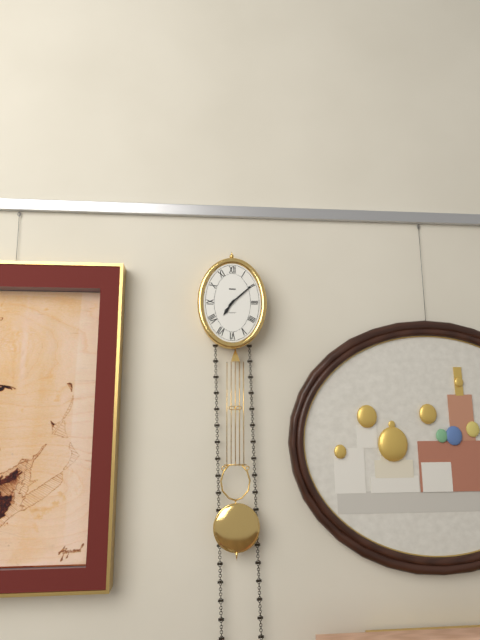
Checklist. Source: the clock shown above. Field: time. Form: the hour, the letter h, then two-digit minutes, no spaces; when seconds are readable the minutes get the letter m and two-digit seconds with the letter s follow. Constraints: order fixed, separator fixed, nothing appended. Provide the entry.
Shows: 7h08
